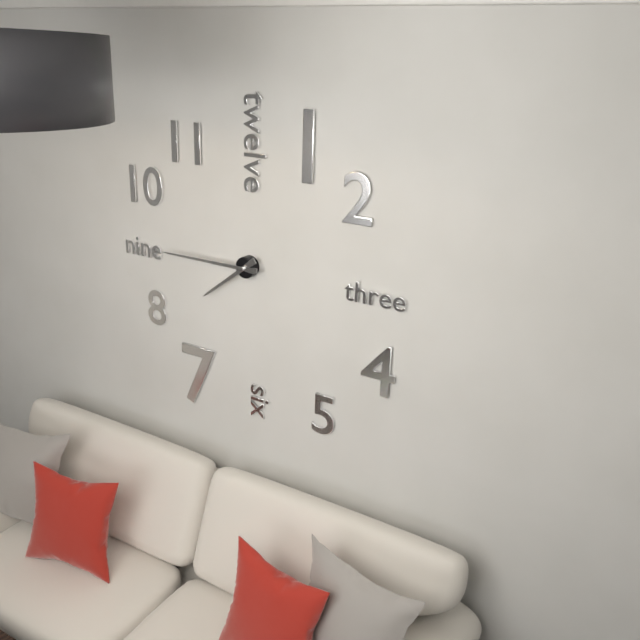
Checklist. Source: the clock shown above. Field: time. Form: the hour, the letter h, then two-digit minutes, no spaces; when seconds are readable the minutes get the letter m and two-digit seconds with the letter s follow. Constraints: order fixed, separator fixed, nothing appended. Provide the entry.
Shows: 7h45
